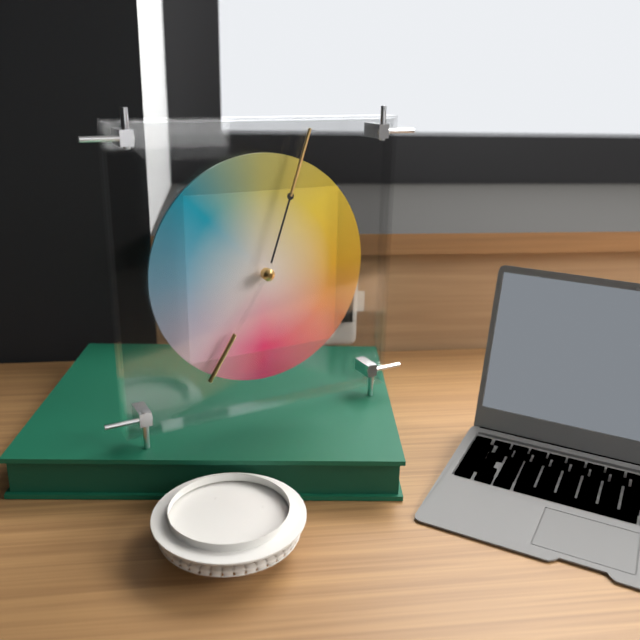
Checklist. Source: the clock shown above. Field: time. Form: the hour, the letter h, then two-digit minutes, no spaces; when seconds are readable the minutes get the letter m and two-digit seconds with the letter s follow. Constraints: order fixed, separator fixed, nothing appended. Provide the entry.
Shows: 7h03
